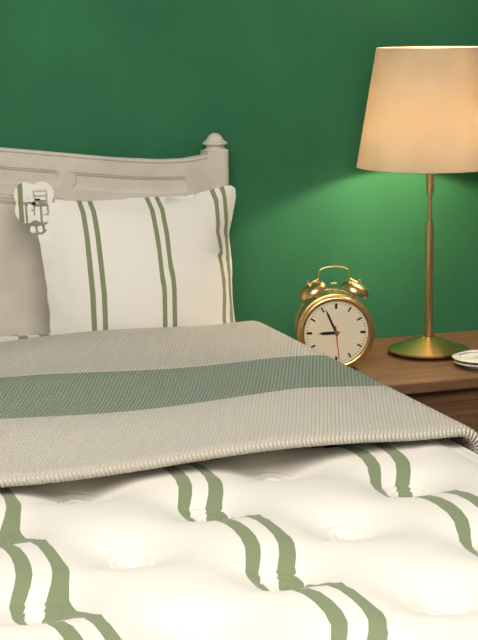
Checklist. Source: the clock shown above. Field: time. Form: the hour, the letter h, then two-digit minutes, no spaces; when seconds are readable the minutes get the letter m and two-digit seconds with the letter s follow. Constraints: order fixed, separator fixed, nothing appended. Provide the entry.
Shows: 8h56
